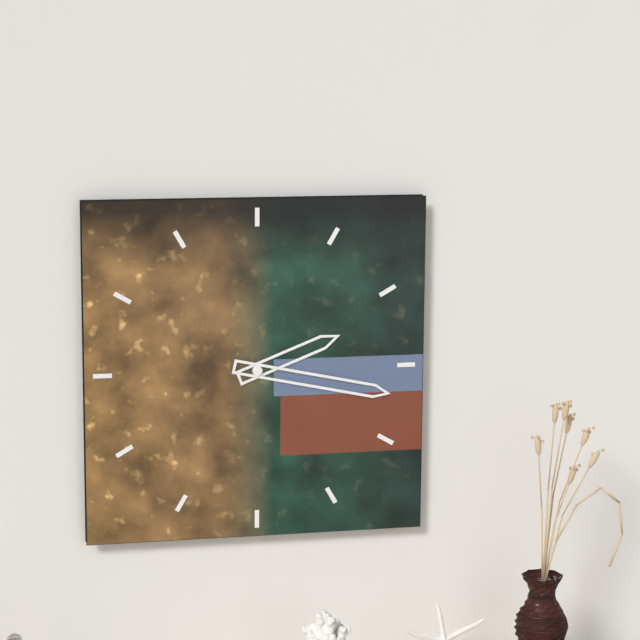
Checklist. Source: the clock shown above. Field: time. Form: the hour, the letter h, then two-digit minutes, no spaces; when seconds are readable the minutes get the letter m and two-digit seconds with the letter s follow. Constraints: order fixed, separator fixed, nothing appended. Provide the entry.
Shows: 2h17
